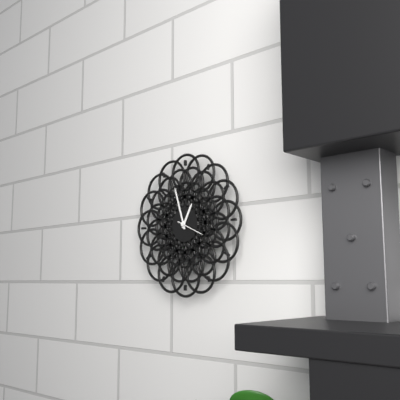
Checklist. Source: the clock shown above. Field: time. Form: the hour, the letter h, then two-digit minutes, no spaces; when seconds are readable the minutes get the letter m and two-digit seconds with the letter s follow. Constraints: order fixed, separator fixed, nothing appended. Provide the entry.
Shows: 12h57
